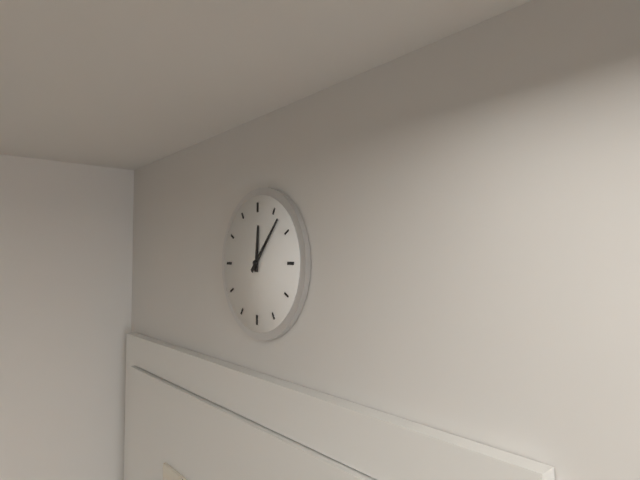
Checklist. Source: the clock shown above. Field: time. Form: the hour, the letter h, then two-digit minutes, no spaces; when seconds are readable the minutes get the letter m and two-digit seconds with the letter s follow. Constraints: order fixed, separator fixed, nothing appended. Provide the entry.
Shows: 12h07
